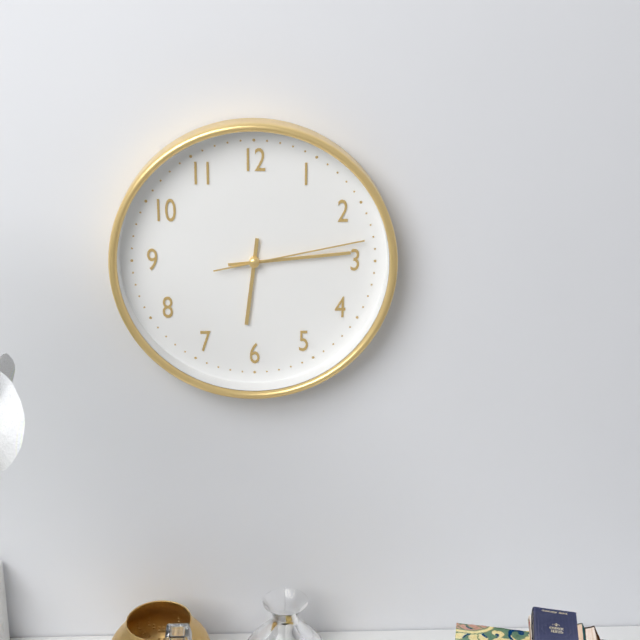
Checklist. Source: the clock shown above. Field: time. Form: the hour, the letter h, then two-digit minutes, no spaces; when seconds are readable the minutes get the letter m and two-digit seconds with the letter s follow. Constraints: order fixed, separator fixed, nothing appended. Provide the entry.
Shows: 6h14m13s
